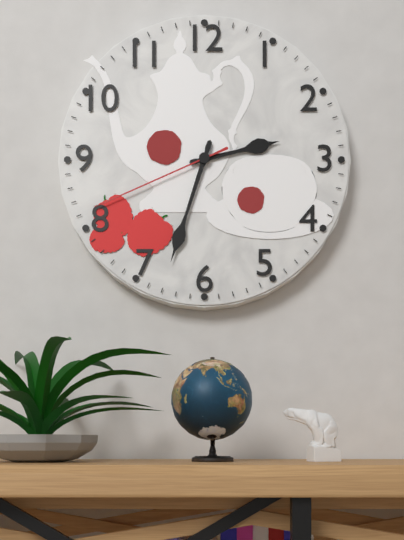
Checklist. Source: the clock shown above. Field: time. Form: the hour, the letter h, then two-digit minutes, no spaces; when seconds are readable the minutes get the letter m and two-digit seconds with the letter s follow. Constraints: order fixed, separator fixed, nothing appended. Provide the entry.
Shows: 2h33m41s
